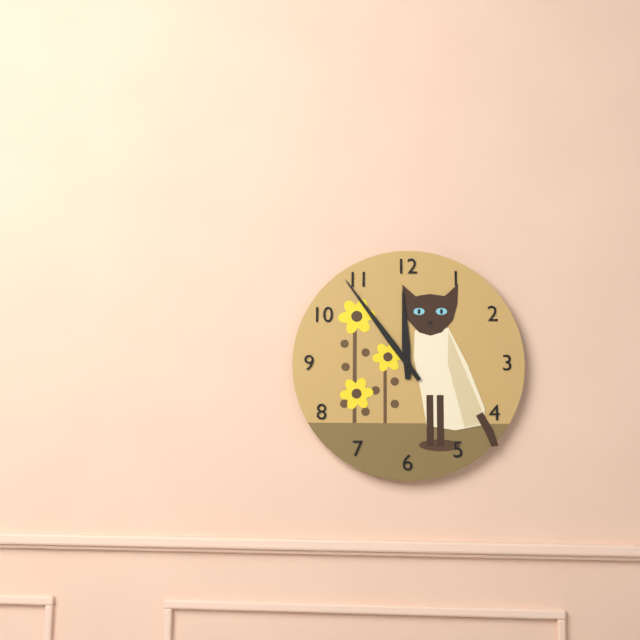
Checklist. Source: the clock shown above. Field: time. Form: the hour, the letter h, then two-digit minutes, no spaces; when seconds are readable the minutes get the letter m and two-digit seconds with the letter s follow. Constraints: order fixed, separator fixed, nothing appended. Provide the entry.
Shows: 11h54
